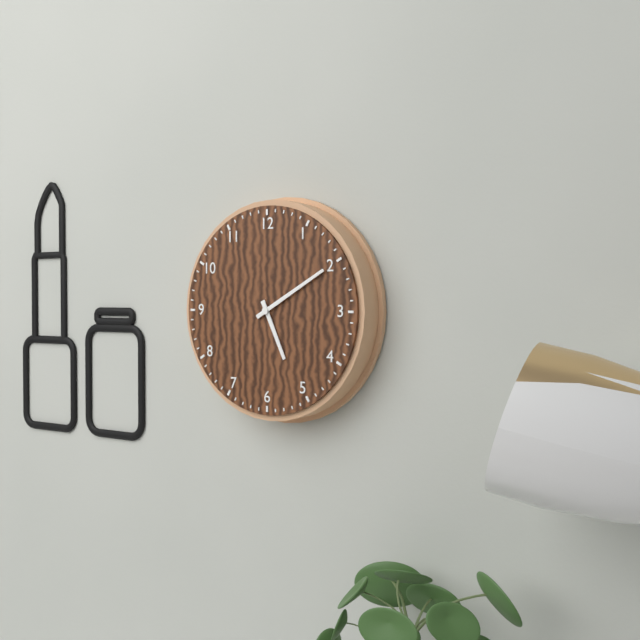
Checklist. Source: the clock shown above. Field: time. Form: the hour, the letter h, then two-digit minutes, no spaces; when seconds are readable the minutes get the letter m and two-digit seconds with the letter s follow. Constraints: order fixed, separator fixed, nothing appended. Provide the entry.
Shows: 5h10
